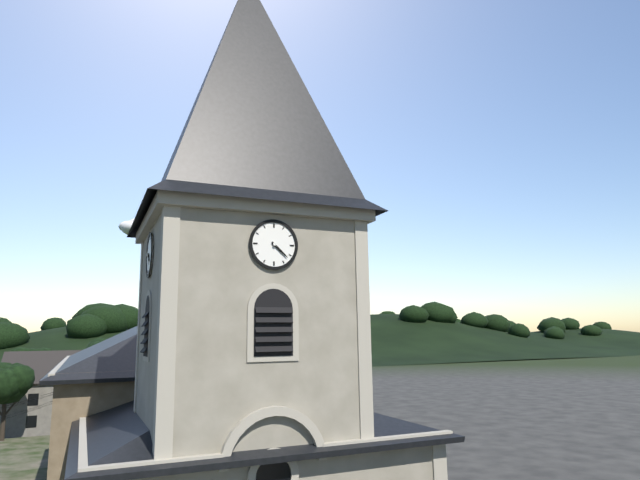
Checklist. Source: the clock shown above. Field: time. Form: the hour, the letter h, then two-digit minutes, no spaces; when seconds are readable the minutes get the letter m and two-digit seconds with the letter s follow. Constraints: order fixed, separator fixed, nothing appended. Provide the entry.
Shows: 4h22
